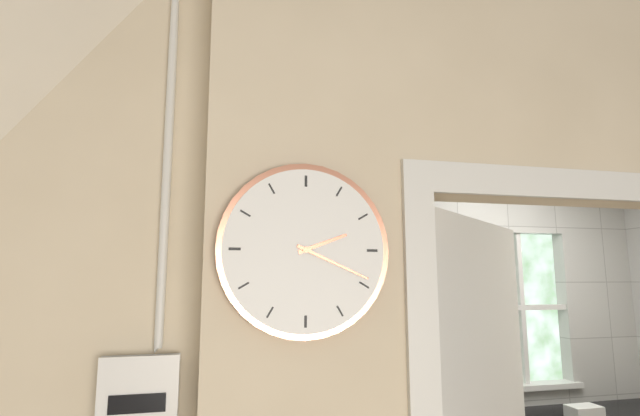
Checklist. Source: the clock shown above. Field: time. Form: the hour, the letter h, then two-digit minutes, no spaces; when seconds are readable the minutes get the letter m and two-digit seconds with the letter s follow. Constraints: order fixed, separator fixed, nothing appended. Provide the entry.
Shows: 2h19
